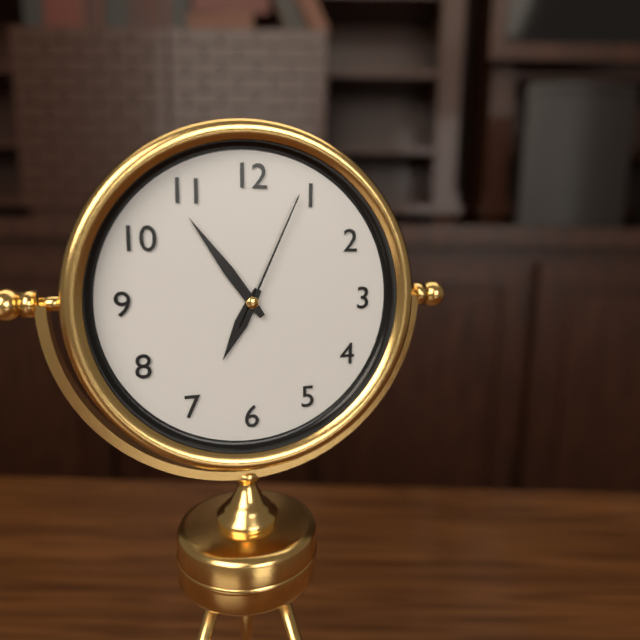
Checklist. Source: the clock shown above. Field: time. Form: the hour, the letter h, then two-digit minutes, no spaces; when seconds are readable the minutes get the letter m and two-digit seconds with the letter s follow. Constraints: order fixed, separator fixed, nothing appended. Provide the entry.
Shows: 6h54m04s
